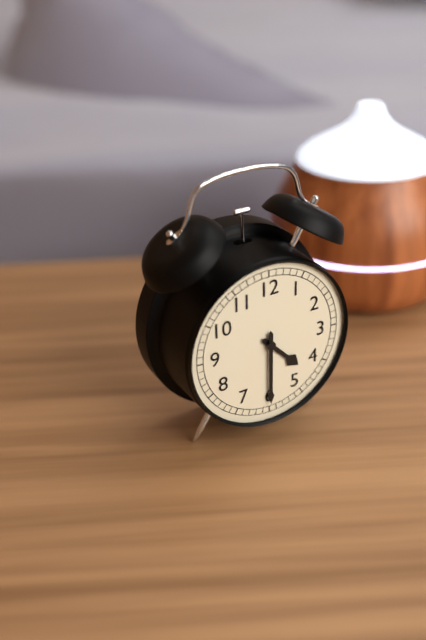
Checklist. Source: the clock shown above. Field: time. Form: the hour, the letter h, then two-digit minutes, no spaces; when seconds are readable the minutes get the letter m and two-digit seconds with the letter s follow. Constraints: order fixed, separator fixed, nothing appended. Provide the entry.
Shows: 4h30
